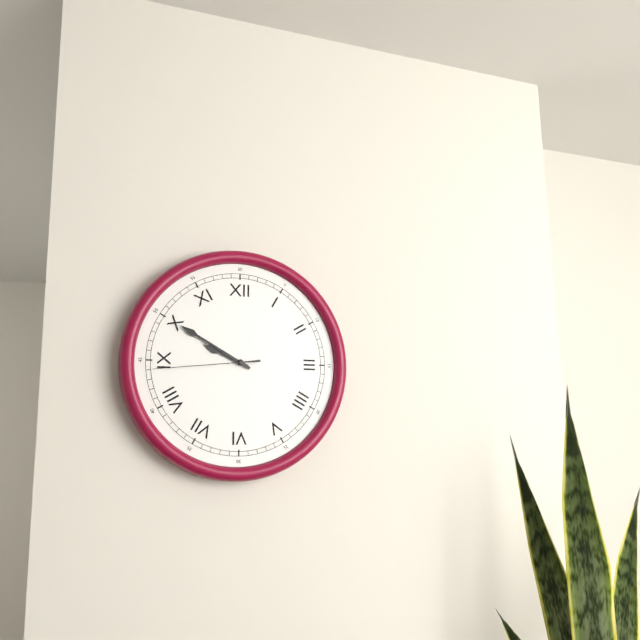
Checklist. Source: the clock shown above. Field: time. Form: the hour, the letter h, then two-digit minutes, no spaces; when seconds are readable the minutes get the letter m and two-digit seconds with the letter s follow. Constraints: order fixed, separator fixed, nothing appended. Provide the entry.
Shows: 9h50m44s
